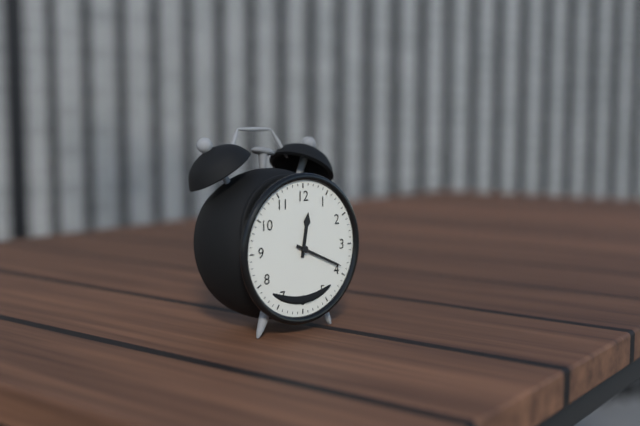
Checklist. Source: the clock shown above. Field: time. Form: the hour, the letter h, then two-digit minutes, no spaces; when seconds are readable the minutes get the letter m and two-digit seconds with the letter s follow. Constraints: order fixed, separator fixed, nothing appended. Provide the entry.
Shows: 12h19
